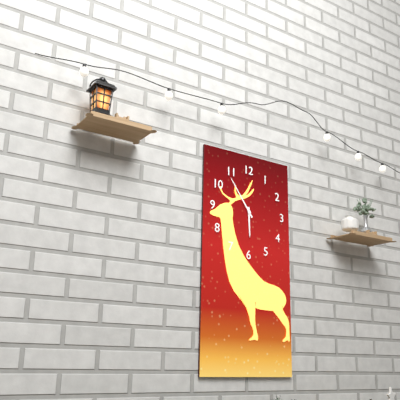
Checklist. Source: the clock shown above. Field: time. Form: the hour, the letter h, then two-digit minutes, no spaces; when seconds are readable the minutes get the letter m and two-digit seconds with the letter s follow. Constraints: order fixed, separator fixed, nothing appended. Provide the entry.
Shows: 5h54
